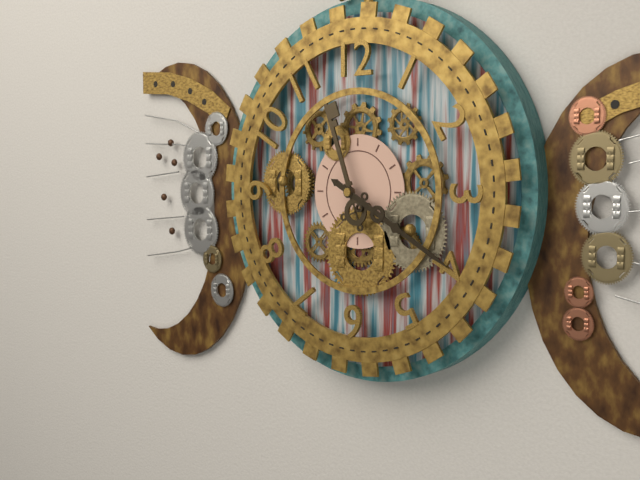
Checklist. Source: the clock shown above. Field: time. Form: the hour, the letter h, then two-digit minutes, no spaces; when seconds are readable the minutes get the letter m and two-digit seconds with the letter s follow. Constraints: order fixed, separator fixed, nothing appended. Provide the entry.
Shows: 11h20
